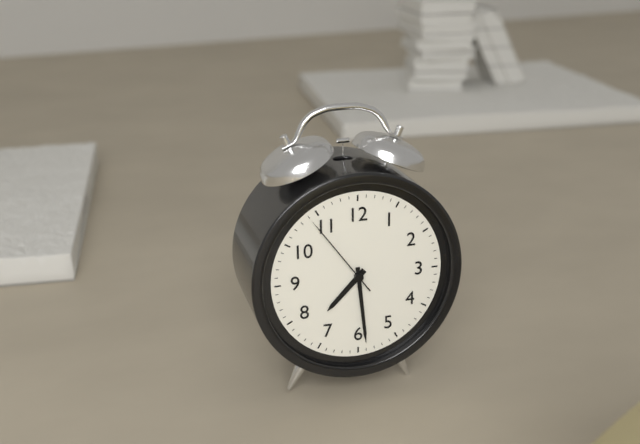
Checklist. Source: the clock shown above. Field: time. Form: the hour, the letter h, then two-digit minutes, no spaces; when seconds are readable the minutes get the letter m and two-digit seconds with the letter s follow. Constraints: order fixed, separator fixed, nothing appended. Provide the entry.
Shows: 7h29m54s
